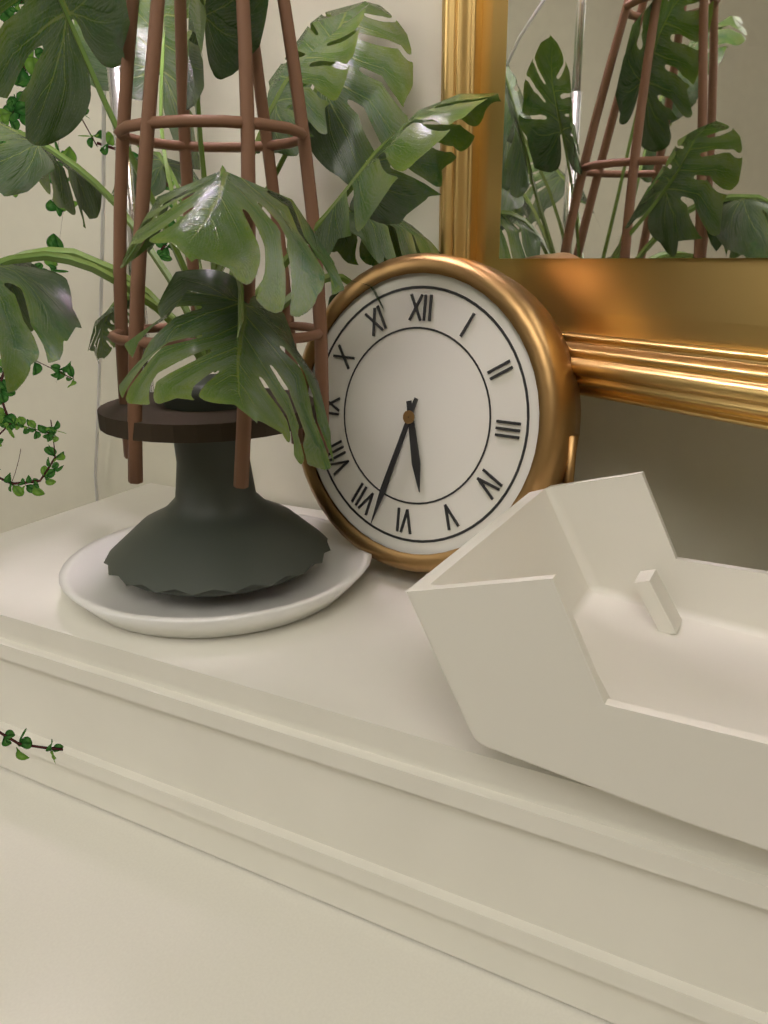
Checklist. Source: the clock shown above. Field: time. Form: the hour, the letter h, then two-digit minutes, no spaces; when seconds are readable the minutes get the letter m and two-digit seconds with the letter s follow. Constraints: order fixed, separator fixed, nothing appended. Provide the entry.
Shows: 5h33
